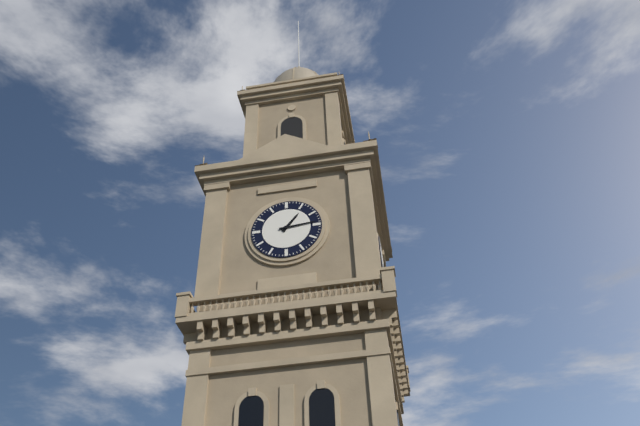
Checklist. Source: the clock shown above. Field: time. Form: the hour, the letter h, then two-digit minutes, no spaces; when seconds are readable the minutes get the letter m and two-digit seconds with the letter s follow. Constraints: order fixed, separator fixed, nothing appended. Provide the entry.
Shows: 1h14
